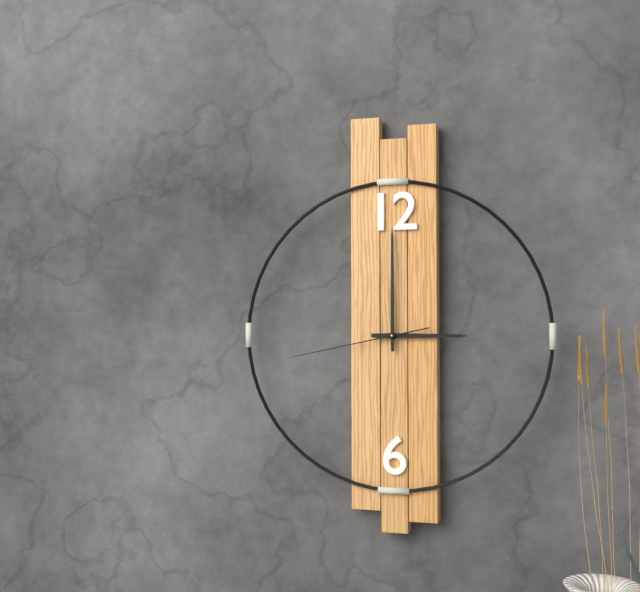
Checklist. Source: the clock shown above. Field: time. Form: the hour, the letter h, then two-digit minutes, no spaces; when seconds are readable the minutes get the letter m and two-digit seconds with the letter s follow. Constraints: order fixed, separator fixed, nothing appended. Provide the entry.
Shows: 3h00m43s
